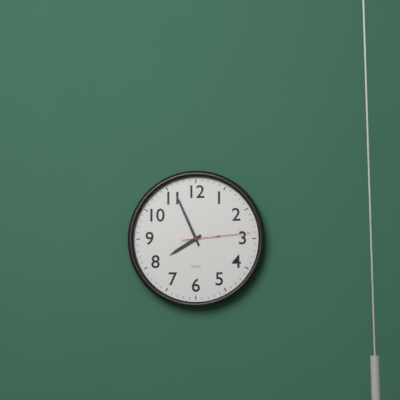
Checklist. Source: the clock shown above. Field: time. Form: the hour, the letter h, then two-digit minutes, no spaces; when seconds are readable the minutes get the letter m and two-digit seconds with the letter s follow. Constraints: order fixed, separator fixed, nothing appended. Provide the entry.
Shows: 7h56m14s
